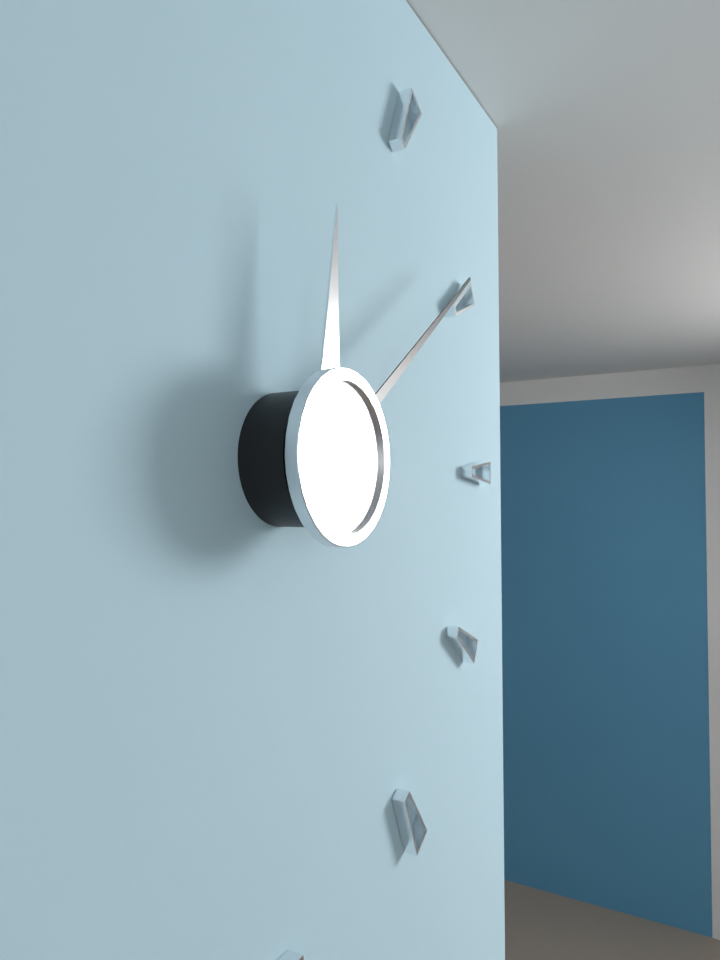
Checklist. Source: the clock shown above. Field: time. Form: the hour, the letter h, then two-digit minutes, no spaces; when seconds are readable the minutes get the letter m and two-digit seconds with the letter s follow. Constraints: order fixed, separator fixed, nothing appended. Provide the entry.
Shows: 12h09
